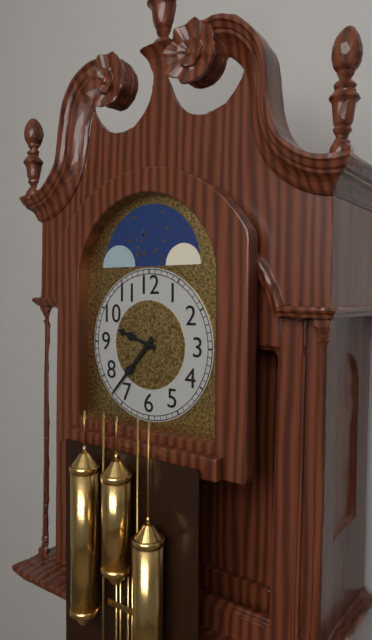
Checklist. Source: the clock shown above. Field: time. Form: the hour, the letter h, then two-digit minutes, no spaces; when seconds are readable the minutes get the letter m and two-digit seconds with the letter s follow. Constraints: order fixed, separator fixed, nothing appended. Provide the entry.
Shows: 9h37
